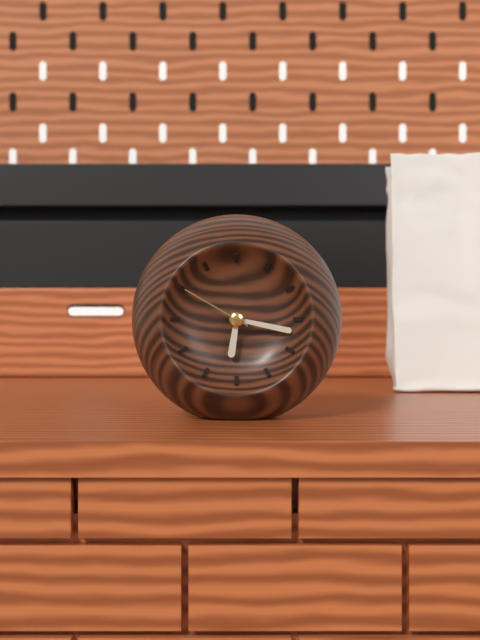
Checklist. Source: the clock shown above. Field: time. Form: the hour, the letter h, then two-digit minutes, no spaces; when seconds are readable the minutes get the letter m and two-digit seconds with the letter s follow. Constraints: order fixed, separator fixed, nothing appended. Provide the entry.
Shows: 6h17m50s
